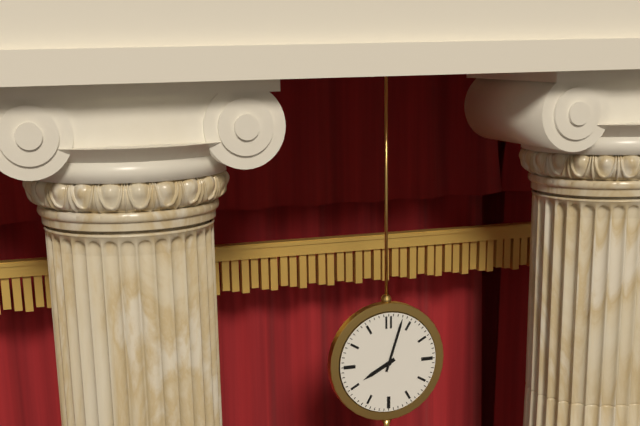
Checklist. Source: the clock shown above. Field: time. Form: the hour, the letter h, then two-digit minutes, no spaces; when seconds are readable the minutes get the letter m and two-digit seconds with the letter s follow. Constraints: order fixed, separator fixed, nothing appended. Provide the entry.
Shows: 8h03
